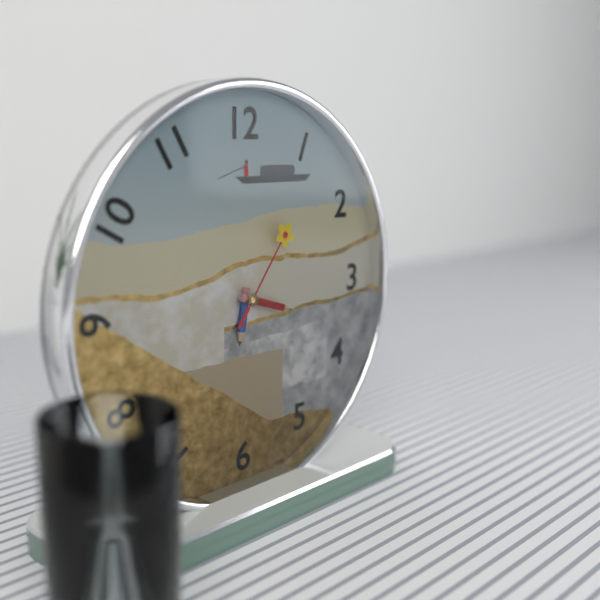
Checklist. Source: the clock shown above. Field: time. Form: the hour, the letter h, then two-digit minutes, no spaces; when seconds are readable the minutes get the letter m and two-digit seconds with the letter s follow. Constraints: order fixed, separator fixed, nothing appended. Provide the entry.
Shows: 6h18m06s
